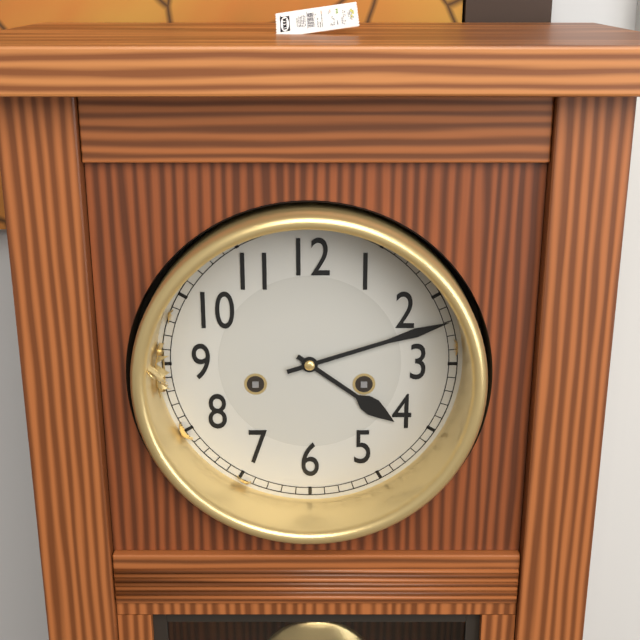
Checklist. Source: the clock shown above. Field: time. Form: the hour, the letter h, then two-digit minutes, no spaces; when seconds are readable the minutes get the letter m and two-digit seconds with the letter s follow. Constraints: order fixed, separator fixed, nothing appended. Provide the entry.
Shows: 4h12
